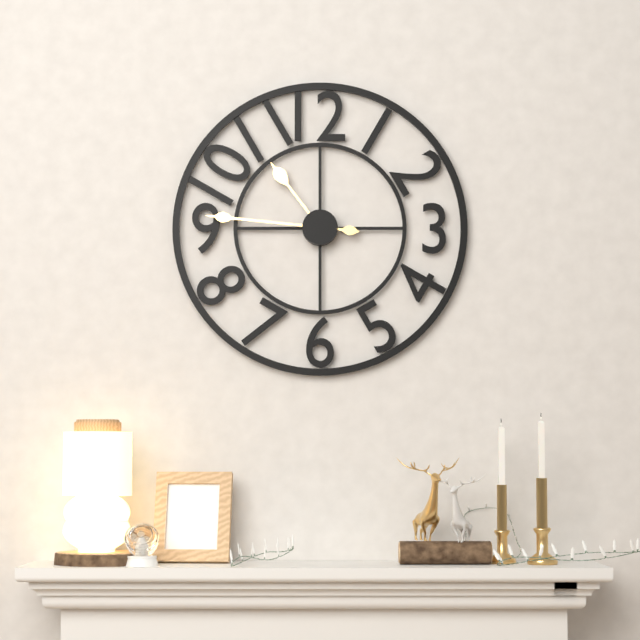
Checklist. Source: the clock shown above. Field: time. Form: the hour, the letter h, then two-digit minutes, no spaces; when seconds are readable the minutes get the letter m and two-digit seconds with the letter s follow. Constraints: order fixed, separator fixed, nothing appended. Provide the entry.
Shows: 10h46
